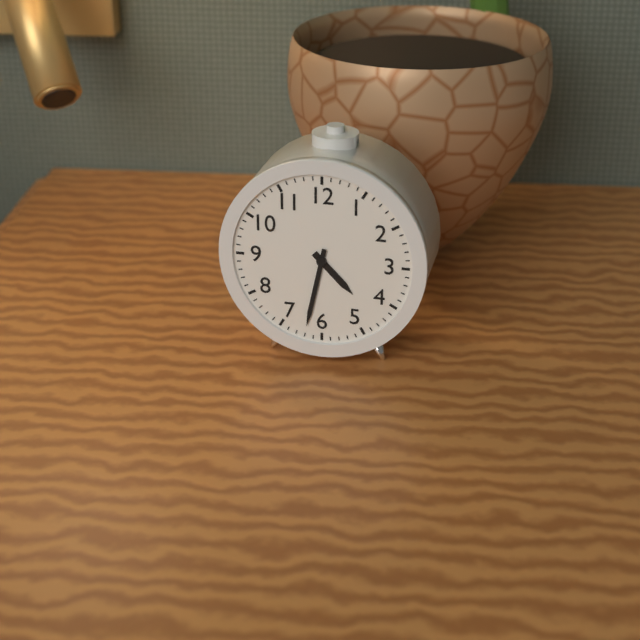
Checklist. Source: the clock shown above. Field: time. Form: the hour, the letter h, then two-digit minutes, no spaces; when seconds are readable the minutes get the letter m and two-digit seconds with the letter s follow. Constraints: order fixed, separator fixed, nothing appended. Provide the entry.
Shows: 4h32
